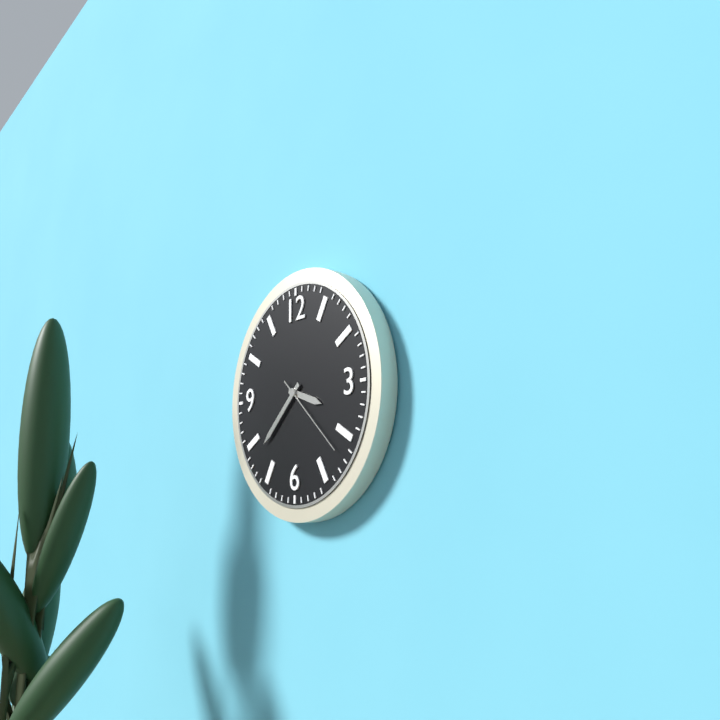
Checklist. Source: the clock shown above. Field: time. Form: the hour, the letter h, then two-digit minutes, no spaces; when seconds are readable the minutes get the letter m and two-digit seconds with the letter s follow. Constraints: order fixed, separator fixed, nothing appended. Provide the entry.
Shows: 3h38m22s
